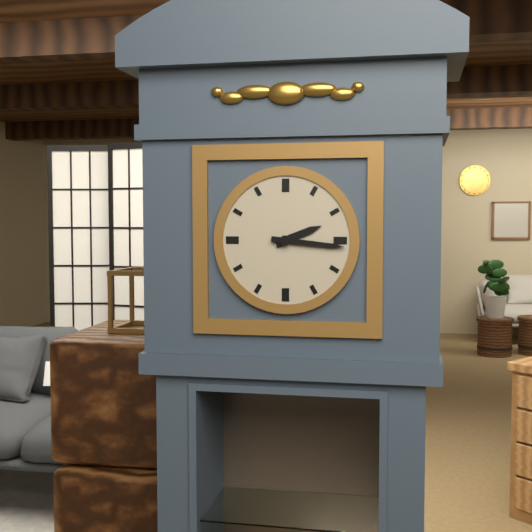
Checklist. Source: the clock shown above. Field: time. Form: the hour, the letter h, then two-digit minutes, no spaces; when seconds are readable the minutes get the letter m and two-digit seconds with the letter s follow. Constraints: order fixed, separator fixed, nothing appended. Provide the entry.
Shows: 2h16
